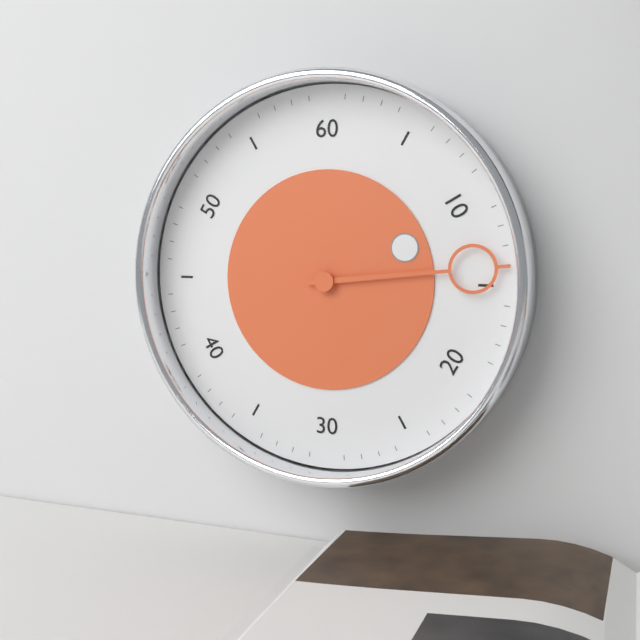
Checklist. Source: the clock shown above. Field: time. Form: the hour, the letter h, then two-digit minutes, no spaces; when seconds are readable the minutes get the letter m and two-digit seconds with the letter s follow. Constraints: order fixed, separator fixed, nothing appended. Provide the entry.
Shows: 2h14
